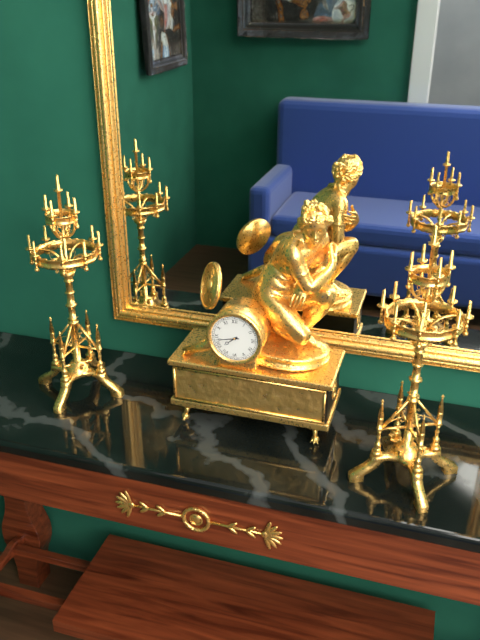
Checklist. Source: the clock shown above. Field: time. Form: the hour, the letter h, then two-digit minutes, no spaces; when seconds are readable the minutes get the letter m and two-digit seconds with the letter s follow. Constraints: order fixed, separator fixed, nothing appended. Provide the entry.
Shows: 7h43
